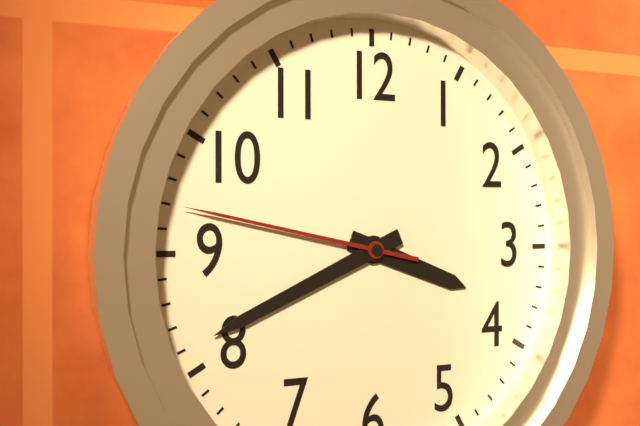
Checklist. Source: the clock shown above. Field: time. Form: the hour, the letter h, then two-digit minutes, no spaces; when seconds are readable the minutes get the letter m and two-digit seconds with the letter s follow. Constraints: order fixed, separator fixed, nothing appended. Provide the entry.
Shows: 3h41m47s
